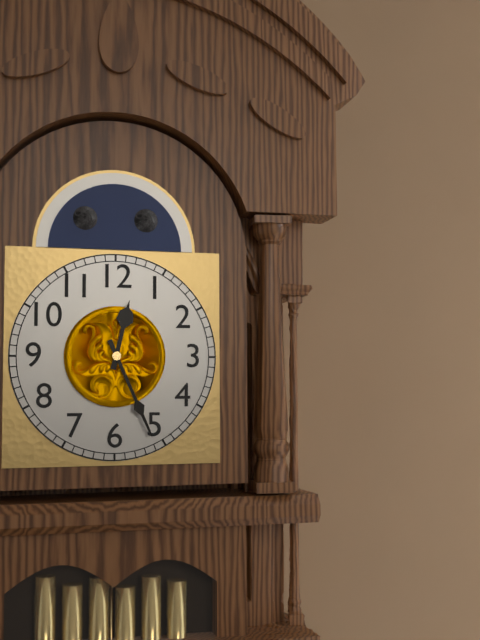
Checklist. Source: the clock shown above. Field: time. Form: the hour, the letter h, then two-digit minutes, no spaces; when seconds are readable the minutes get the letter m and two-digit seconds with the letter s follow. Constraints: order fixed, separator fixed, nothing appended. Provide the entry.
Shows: 12h26
